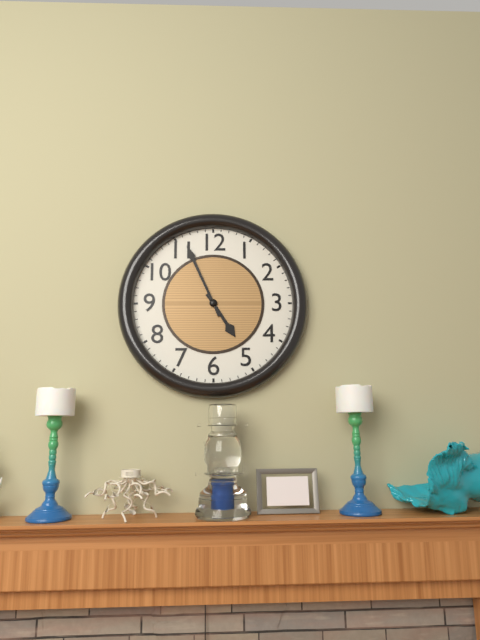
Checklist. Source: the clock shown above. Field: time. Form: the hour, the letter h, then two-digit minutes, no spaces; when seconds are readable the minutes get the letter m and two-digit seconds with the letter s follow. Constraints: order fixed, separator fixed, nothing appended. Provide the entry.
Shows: 4h56
